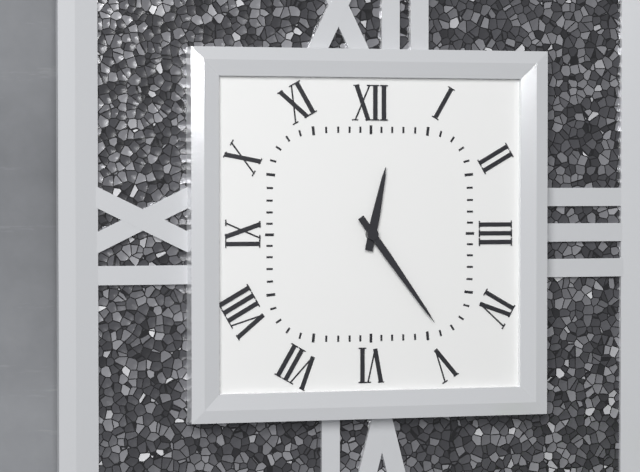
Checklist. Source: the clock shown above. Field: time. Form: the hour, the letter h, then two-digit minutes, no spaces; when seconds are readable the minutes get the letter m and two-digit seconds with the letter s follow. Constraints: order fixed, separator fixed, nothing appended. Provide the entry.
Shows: 12h24
